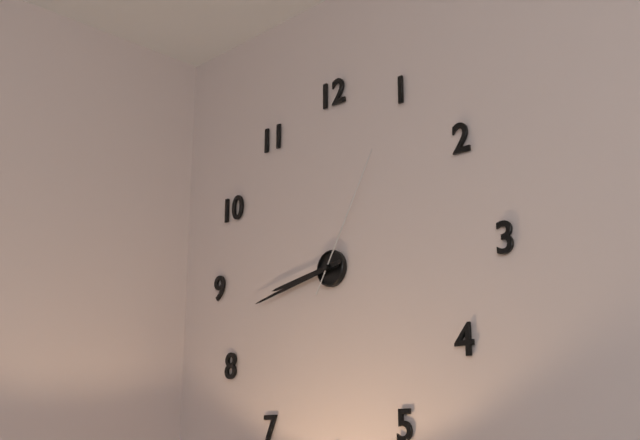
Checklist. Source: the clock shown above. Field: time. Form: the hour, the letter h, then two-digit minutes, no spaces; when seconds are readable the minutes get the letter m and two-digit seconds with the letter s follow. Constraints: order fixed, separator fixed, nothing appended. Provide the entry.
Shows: 8h43m05s
